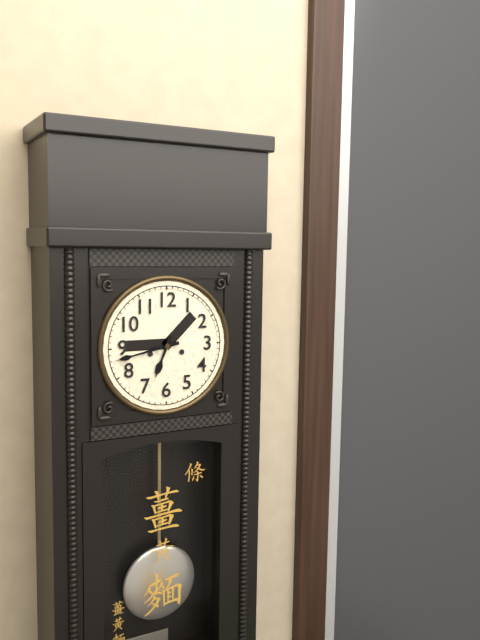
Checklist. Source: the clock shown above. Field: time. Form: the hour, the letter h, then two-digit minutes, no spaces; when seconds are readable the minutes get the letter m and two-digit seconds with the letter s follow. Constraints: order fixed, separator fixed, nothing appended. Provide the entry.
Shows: 6h43
